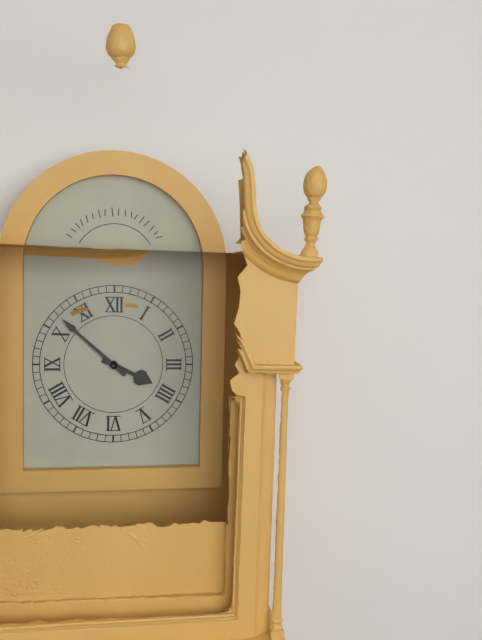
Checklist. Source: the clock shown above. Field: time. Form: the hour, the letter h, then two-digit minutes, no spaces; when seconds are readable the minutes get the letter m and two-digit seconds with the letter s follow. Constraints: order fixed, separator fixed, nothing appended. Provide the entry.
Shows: 3h52
